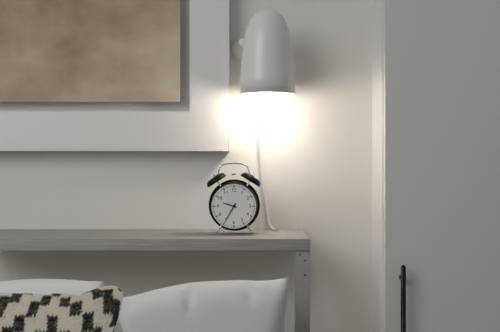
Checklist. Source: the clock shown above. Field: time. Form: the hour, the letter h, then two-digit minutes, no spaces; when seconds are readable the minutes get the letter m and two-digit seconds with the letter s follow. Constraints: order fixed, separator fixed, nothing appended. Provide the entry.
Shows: 9h35
